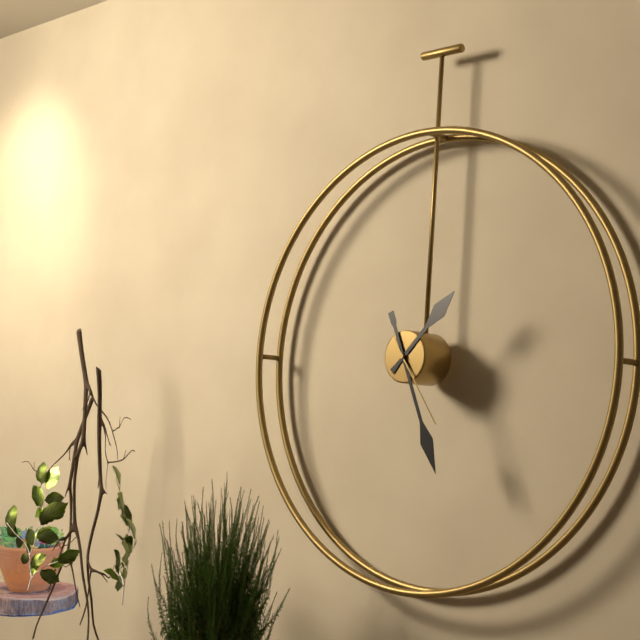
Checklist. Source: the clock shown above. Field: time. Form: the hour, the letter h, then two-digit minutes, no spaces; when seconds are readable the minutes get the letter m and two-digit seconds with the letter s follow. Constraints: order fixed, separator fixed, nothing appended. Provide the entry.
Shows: 1h26m24s
